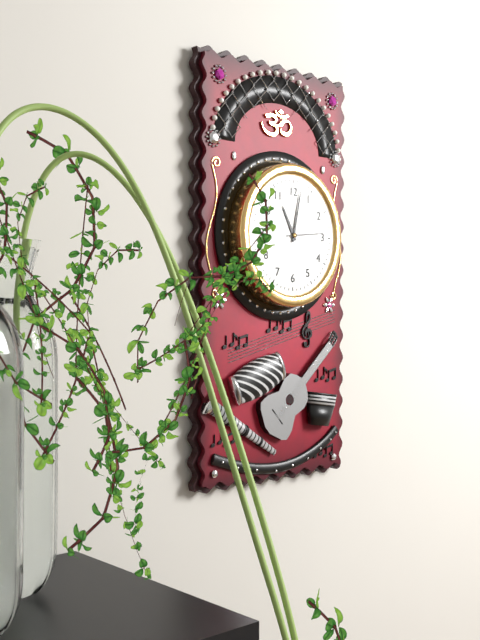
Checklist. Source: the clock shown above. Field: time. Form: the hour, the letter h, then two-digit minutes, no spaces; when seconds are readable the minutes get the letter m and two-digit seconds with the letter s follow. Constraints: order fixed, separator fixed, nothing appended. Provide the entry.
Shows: 11h02
